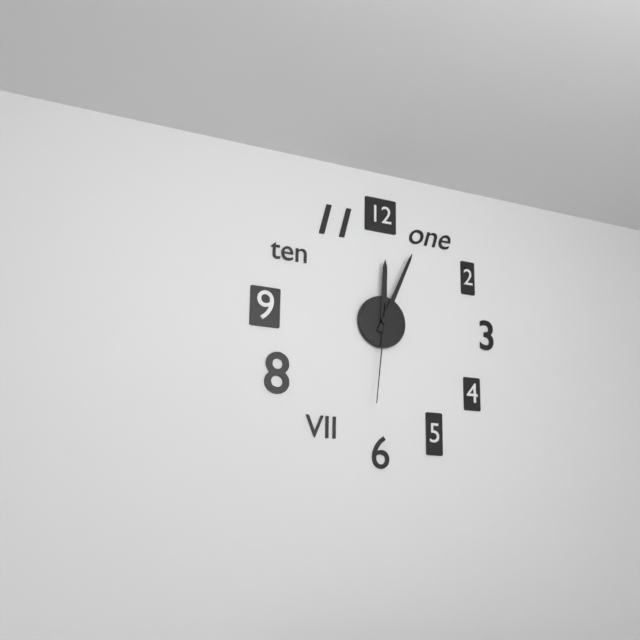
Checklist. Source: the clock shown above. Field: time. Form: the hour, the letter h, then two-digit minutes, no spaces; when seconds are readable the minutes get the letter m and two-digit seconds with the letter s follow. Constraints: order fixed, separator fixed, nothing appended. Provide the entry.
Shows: 12h04m31s
